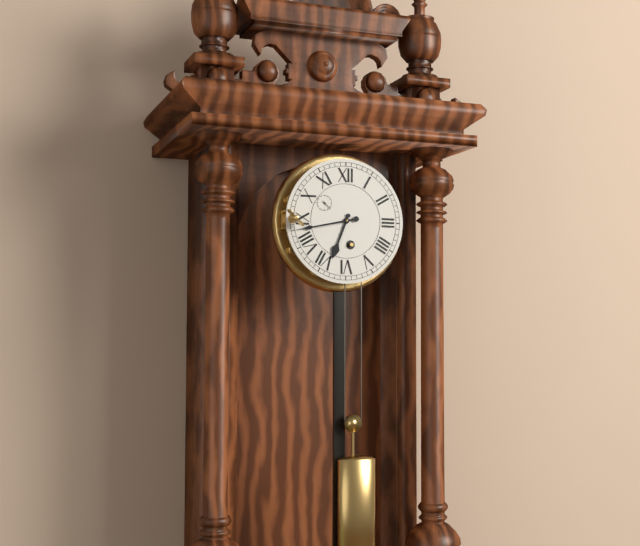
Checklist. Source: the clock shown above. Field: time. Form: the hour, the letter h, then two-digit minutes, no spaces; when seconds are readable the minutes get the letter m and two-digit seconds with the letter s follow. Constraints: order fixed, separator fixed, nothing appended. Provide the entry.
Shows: 6h43
